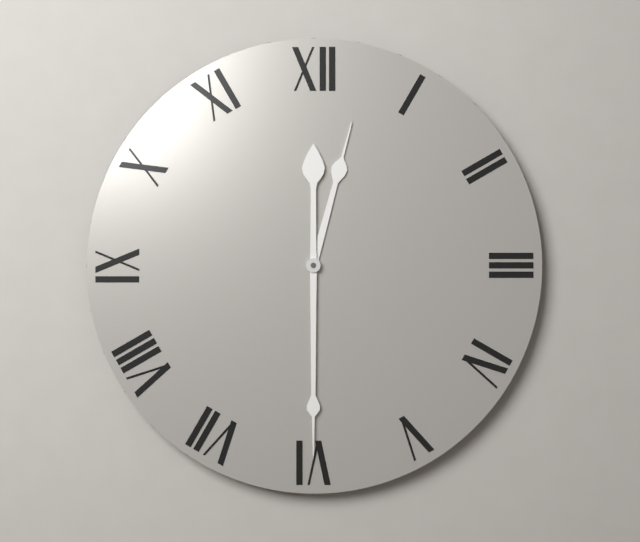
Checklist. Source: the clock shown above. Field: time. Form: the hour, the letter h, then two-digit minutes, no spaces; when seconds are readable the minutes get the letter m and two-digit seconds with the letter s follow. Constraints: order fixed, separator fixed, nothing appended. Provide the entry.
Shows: 12h30
